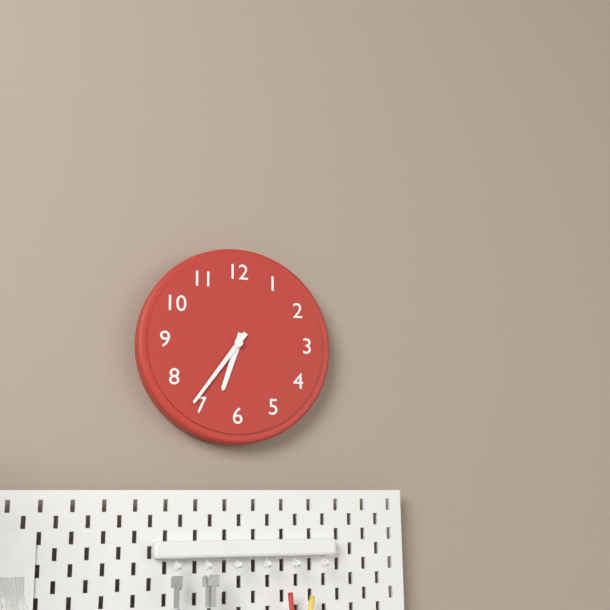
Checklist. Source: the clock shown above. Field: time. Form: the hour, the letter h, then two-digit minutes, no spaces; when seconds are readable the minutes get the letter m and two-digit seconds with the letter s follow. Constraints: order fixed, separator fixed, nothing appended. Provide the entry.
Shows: 6h36
